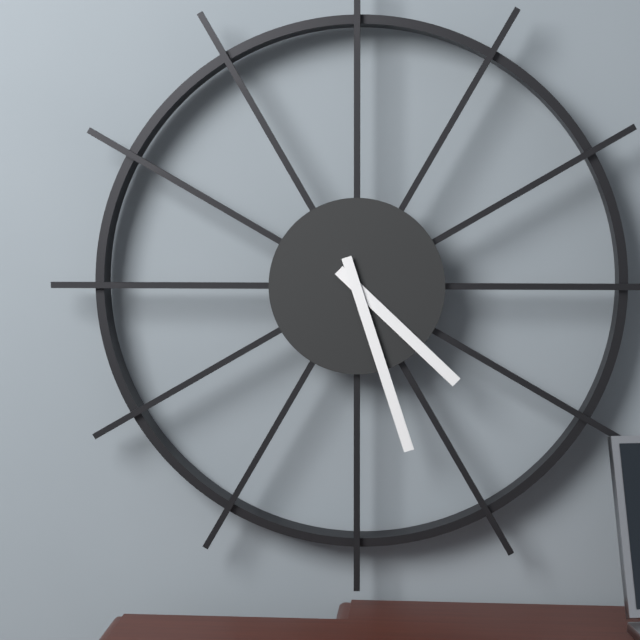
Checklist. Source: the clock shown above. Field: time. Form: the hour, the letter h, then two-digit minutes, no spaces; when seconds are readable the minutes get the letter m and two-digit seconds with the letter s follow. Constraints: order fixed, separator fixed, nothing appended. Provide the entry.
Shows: 4h27
